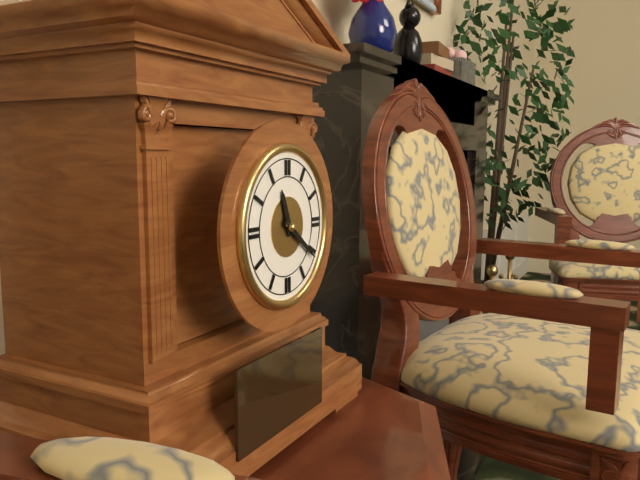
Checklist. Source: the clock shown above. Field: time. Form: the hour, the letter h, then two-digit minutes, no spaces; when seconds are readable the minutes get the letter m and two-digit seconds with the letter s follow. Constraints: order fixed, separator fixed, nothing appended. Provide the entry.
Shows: 11h21
